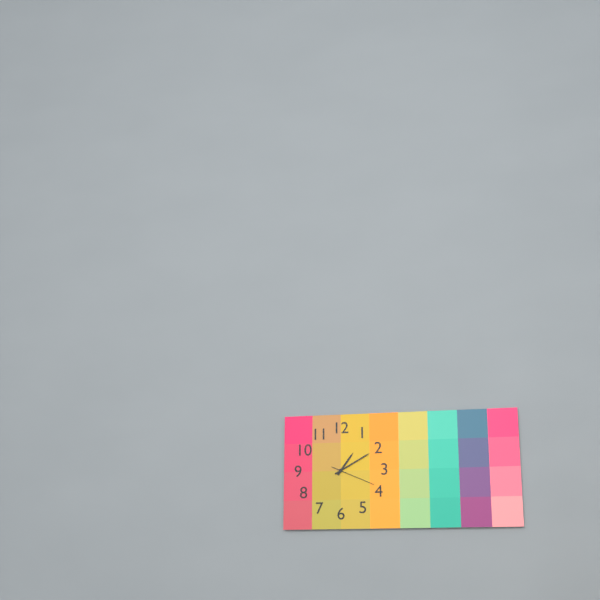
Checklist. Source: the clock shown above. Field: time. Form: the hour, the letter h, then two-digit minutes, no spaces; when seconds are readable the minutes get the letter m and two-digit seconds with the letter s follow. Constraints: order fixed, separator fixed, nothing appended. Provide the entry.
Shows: 1h10
